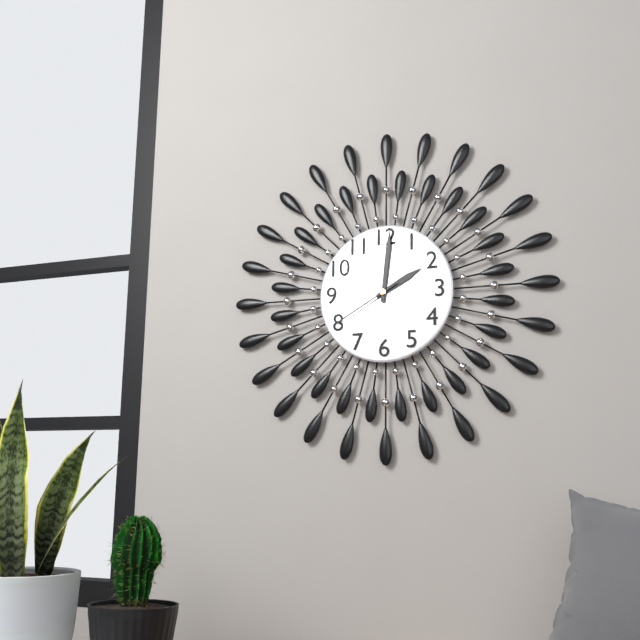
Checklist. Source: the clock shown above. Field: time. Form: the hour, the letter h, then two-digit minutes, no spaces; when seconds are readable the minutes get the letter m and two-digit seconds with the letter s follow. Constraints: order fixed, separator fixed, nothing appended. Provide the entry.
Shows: 2h01m40s
